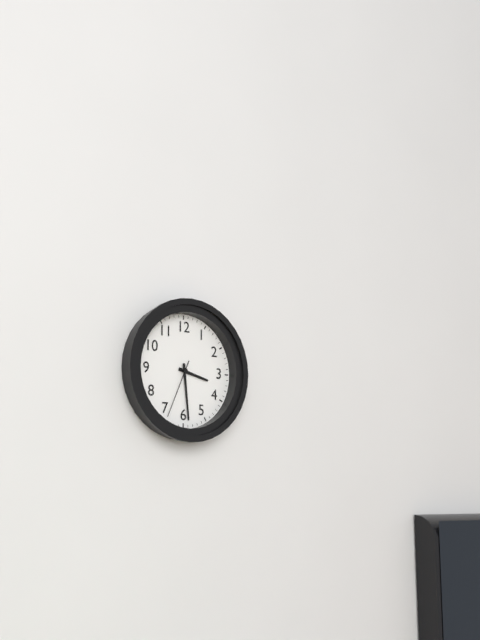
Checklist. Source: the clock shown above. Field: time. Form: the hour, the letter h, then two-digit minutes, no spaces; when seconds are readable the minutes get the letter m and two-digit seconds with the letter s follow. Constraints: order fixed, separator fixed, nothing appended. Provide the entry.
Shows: 3h29m34s
